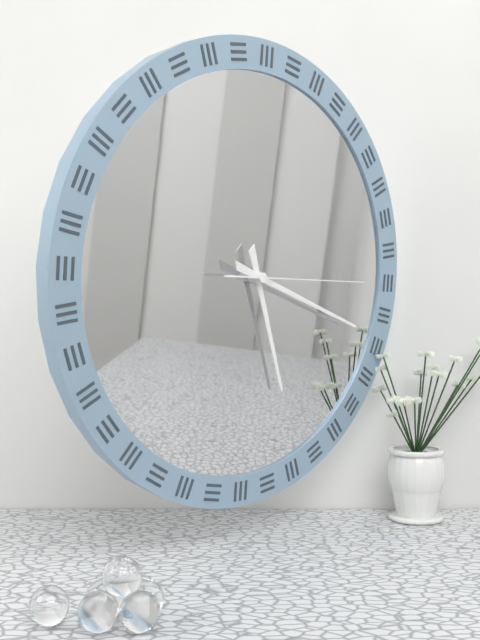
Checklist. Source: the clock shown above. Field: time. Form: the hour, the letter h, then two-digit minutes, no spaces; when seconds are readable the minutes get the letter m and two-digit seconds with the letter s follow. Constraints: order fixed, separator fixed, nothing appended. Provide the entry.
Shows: 5h18m15s
